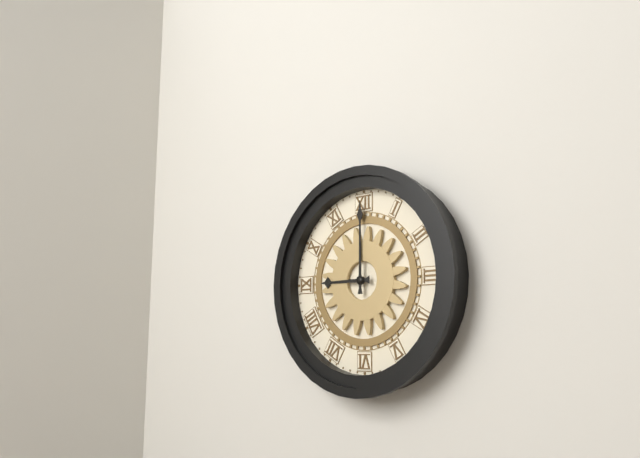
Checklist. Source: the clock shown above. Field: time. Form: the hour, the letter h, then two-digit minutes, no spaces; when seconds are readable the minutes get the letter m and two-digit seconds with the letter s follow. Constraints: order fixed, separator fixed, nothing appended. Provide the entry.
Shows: 9h00
